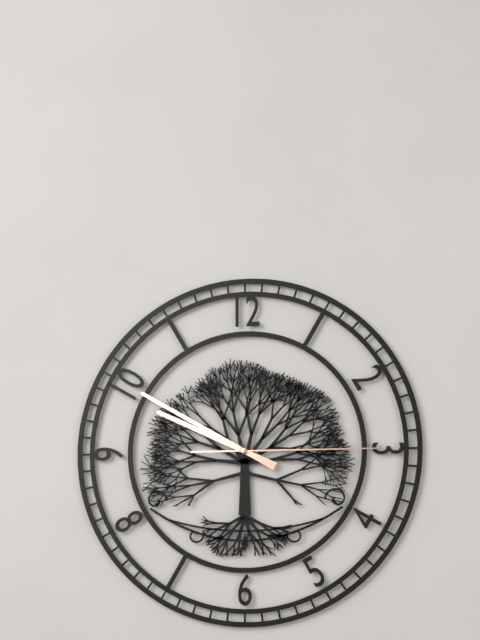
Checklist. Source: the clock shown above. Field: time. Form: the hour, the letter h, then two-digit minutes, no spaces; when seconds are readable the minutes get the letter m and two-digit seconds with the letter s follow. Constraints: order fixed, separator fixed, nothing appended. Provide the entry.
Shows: 9h50m15s
